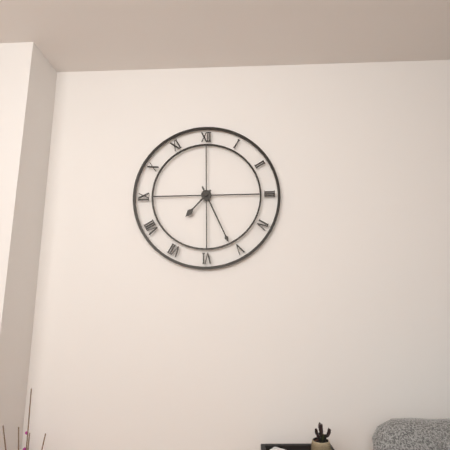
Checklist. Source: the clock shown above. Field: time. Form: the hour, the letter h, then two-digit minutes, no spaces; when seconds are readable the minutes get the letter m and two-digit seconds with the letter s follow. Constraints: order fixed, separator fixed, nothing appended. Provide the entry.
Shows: 7h26
